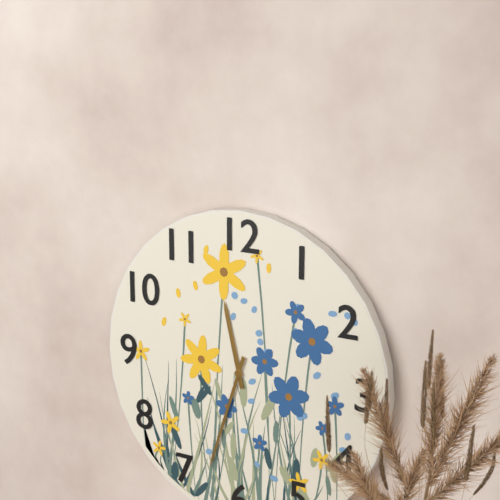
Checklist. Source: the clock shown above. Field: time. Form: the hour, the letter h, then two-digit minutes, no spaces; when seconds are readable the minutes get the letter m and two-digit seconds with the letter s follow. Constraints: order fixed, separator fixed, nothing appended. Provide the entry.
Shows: 11h33
